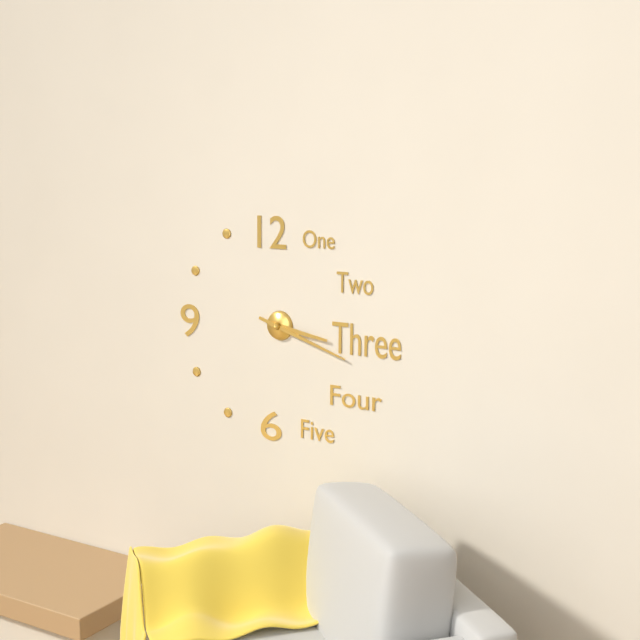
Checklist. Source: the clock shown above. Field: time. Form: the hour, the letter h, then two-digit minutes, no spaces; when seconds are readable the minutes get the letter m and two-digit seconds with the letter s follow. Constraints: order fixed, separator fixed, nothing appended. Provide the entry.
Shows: 3h18
